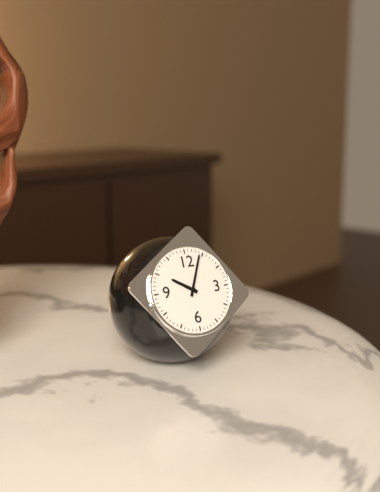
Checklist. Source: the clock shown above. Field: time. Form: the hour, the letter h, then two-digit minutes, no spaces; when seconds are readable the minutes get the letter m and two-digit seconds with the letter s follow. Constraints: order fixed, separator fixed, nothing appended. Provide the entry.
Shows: 10h04
